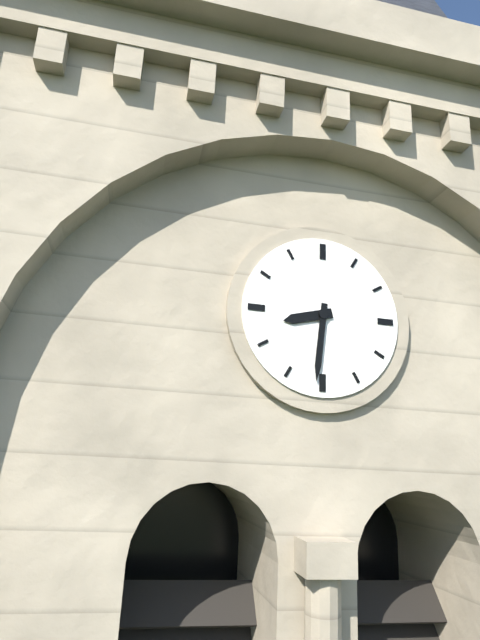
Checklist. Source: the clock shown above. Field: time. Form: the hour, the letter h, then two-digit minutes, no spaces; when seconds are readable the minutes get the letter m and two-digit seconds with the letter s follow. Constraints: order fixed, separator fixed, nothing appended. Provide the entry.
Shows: 8h31
